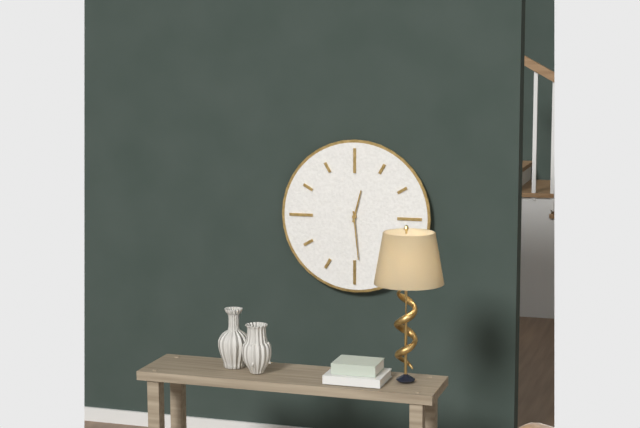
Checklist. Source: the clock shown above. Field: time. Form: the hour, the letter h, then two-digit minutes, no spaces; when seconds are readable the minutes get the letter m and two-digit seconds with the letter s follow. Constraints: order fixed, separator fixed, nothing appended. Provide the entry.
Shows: 12h29
